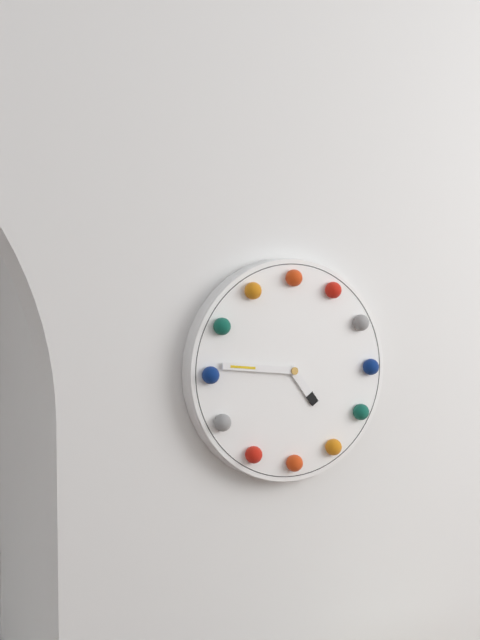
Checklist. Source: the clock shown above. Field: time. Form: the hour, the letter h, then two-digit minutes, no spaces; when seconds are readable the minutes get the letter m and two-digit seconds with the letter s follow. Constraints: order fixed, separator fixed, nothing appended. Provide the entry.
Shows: 4h46
